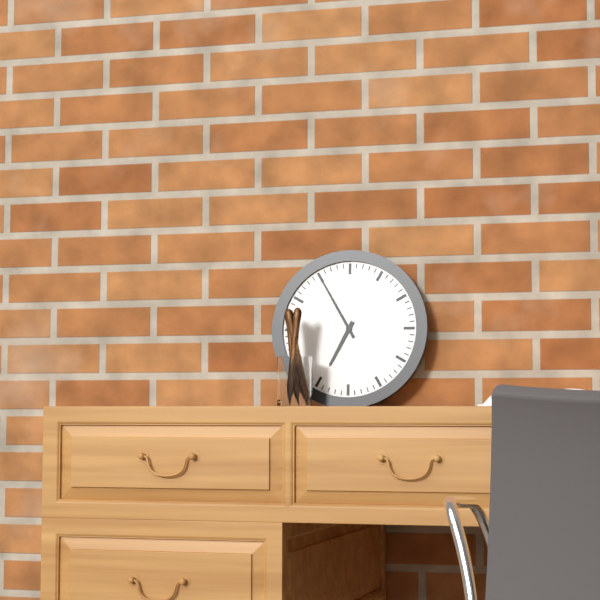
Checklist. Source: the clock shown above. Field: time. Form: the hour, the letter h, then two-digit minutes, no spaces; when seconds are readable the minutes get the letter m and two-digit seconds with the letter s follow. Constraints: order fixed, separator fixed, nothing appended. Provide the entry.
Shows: 6h55
